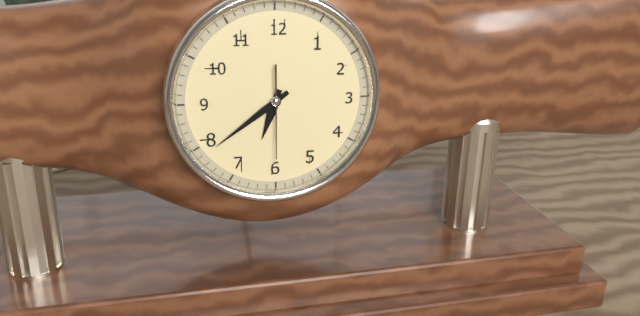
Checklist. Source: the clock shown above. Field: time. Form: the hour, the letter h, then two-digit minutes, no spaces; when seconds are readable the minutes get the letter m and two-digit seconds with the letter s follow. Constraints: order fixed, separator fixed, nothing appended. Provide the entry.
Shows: 6h39m30s
